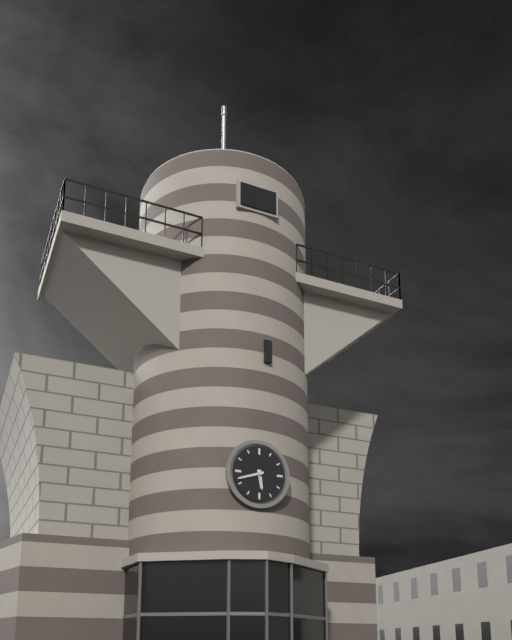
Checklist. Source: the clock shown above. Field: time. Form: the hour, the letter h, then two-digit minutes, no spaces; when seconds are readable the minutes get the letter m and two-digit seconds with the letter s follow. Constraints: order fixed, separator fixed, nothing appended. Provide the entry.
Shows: 5h42
